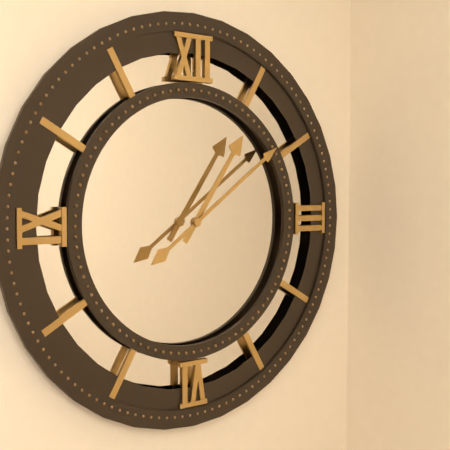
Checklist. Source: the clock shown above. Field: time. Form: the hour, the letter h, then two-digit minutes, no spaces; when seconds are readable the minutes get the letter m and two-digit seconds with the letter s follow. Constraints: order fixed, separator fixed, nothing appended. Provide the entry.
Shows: 1h09
